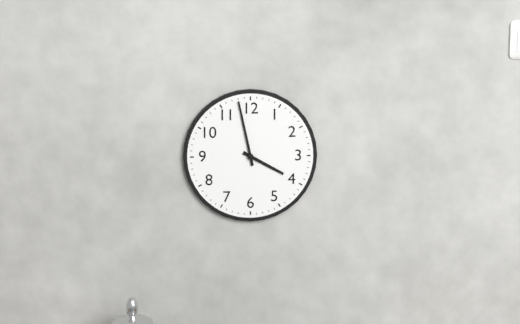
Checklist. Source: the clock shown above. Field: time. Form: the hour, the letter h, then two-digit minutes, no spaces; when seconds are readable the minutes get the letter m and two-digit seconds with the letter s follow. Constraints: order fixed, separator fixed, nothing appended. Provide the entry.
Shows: 3h58
